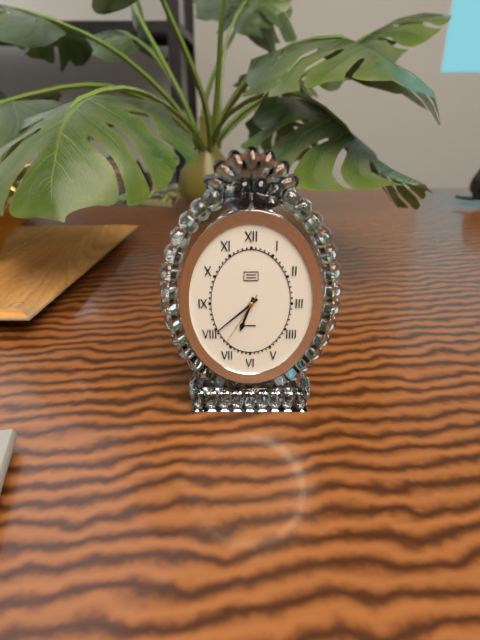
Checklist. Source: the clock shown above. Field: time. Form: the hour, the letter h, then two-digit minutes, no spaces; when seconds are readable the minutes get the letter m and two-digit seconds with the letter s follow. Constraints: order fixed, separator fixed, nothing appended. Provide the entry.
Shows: 6h38m35s
